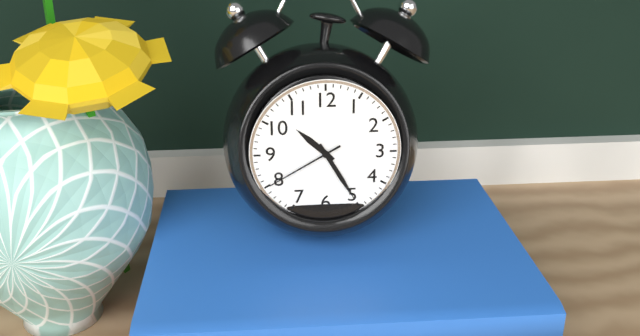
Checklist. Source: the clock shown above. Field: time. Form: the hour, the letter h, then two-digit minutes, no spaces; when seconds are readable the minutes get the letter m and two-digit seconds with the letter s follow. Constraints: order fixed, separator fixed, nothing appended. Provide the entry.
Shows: 10h25m40s
